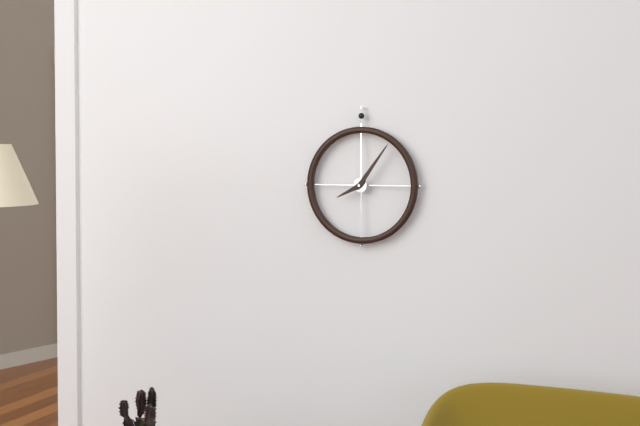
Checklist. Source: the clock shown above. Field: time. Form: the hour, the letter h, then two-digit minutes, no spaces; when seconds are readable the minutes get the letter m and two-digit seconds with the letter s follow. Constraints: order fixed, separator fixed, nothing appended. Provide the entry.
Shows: 8h06
